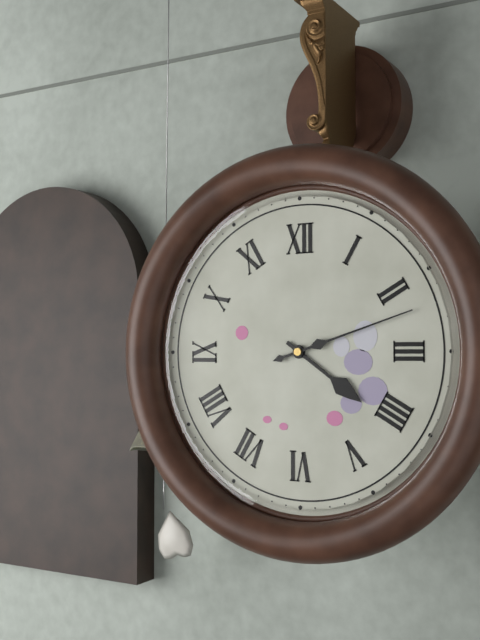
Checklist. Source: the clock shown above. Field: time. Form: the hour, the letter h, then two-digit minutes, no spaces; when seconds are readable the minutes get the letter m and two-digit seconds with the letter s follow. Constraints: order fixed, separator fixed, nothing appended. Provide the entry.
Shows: 4h12
